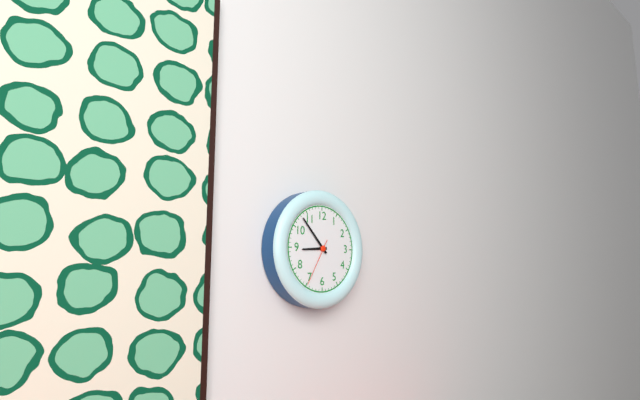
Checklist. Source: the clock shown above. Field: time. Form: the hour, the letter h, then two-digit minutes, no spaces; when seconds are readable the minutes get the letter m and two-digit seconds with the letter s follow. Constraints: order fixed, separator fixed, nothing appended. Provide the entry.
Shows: 8h53
